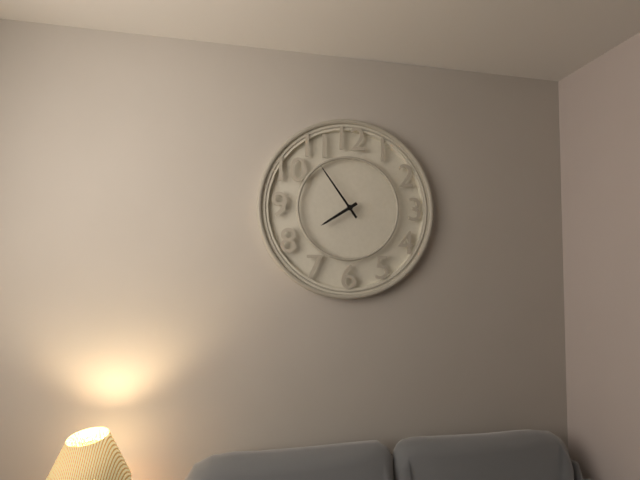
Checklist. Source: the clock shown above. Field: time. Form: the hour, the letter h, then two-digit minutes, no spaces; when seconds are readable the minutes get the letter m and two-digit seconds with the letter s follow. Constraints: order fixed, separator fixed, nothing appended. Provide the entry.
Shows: 7h54
